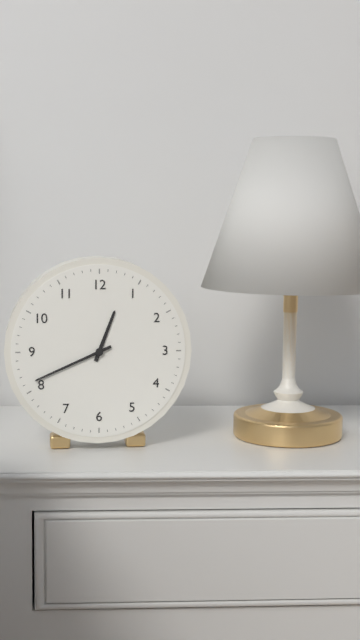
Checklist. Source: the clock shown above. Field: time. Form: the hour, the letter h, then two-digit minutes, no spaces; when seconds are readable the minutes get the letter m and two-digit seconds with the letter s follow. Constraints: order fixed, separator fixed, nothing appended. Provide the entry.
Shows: 12h41
